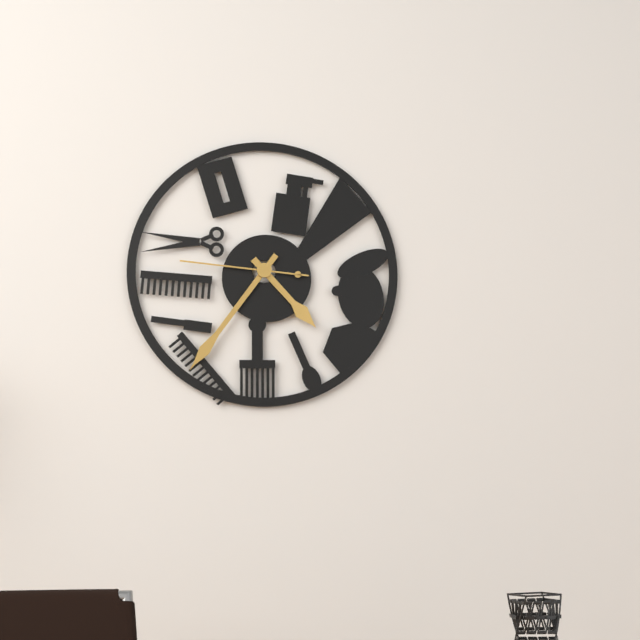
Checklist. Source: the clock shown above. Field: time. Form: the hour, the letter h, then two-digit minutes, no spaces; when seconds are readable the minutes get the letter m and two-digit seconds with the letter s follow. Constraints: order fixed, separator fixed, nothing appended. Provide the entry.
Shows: 4h36m46s
